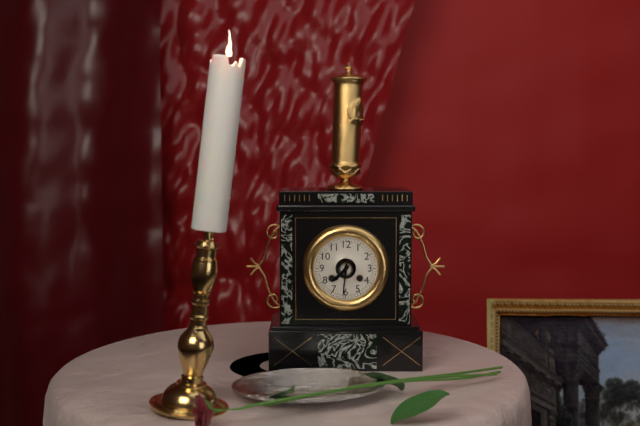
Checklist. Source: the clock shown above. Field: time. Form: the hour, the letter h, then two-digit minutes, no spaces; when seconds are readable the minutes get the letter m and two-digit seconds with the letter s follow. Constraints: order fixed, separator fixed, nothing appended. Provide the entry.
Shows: 7h31
